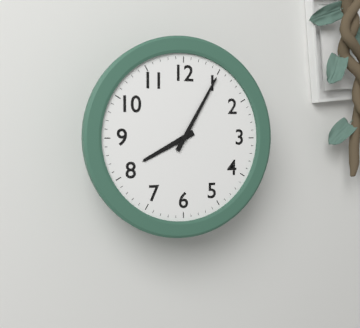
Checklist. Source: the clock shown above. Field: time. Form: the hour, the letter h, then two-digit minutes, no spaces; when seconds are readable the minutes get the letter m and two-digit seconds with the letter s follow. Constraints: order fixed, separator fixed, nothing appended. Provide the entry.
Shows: 8h05
